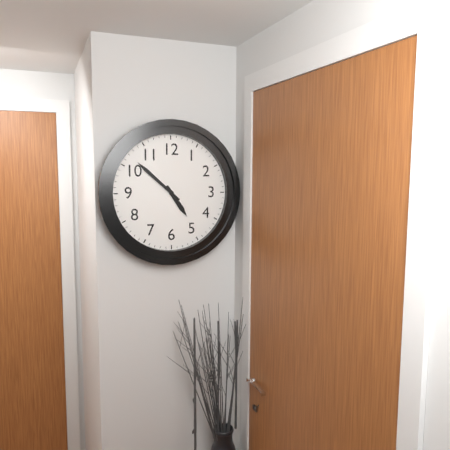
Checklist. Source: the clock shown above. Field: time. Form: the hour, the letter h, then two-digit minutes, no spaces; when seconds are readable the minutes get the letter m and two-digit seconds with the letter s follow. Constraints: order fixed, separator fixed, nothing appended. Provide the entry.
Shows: 4h52
